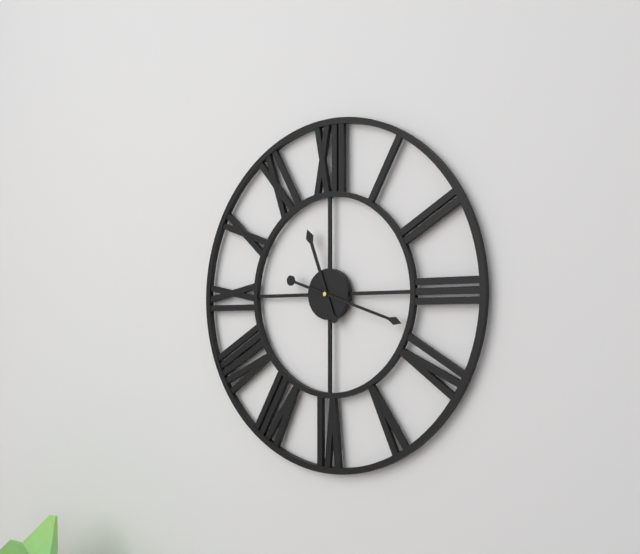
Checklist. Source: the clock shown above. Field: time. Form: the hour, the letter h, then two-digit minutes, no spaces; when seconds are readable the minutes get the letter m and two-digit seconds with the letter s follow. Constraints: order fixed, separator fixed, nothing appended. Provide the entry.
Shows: 11h18
